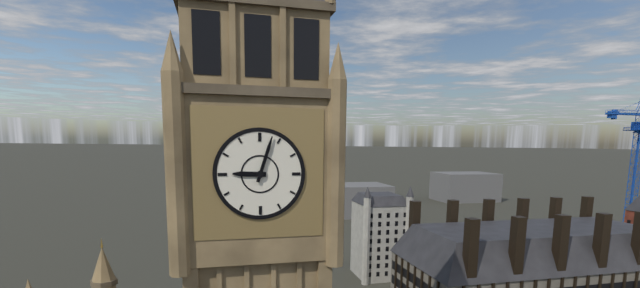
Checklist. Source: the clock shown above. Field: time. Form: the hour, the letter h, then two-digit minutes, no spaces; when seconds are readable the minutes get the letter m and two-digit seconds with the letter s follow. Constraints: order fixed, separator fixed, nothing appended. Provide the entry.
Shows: 9h03
